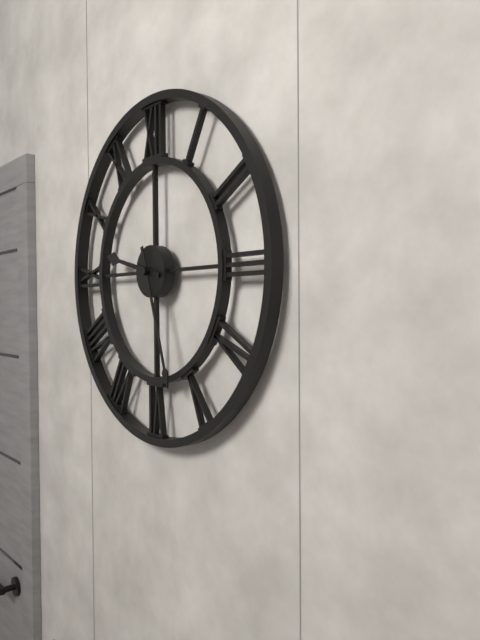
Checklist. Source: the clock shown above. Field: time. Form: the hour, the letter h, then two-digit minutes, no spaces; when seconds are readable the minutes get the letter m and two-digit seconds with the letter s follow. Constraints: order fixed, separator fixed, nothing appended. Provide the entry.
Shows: 9h27
